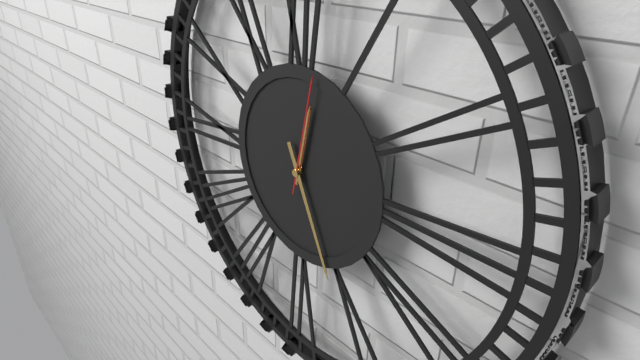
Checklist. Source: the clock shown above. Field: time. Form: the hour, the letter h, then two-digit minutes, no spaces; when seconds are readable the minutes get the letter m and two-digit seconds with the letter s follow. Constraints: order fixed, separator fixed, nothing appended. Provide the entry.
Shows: 12h26m02s
